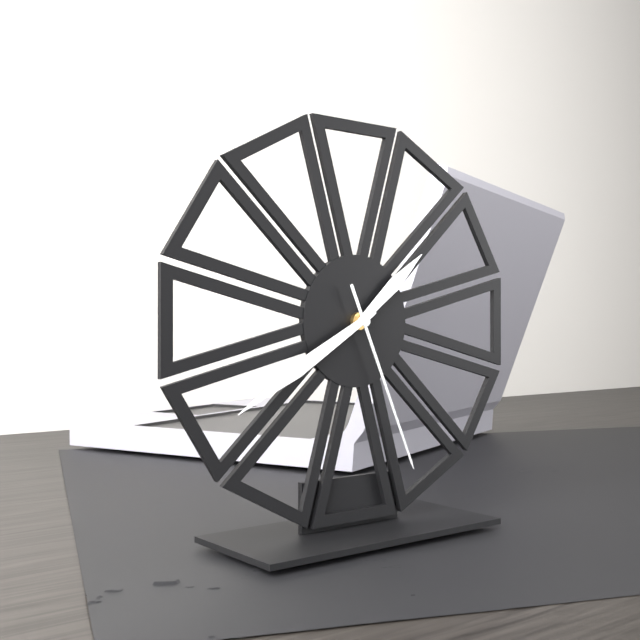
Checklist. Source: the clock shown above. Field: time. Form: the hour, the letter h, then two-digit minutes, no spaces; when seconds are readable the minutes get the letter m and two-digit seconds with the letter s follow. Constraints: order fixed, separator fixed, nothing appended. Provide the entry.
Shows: 1h40m26s
